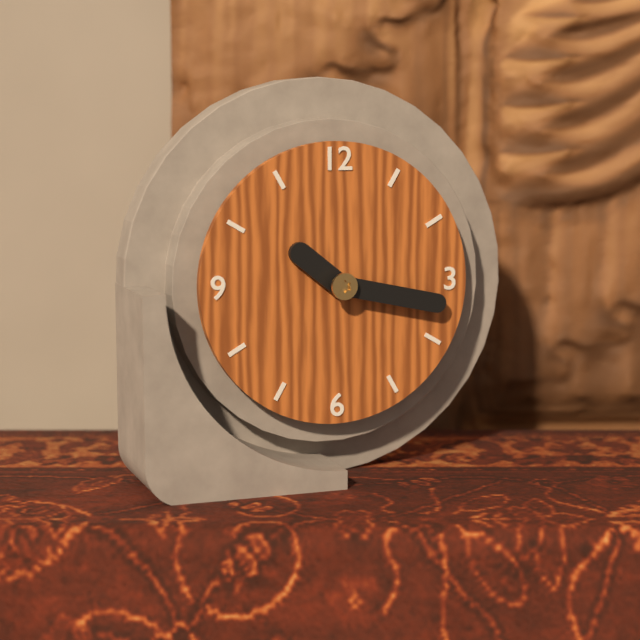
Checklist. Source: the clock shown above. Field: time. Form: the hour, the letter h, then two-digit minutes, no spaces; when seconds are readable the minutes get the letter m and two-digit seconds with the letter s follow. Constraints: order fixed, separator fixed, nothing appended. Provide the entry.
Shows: 10h17
